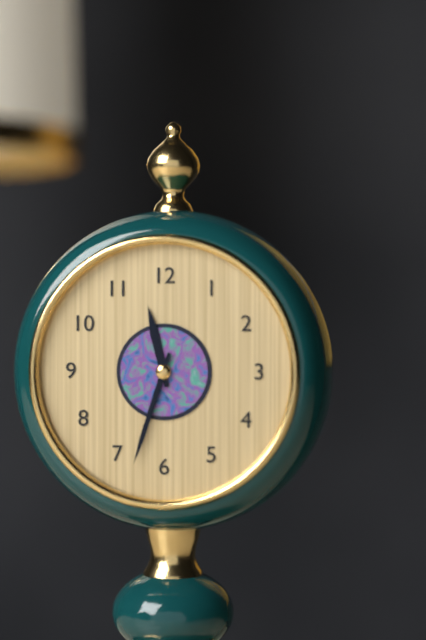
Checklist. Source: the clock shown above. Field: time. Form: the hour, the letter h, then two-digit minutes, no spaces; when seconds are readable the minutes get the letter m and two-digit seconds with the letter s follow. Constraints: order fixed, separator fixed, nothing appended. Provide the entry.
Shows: 11h33
